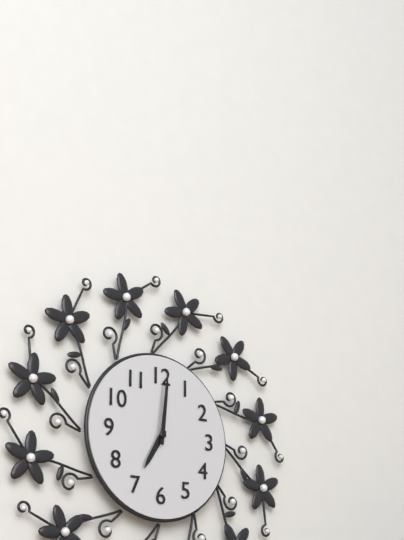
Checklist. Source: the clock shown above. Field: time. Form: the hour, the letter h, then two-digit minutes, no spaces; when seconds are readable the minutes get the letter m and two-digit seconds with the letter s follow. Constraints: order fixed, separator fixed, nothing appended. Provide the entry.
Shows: 7h01
